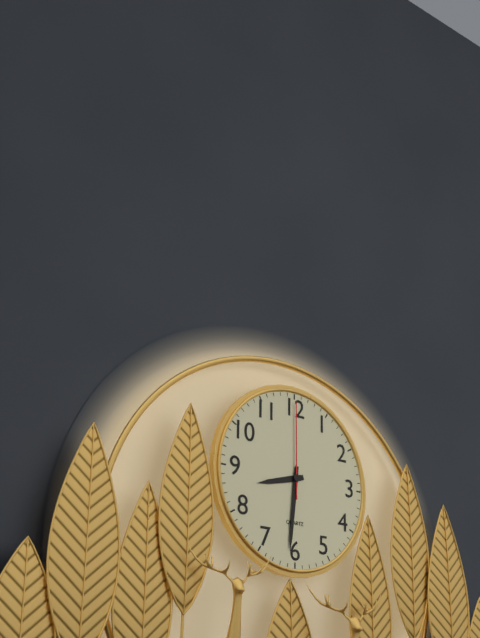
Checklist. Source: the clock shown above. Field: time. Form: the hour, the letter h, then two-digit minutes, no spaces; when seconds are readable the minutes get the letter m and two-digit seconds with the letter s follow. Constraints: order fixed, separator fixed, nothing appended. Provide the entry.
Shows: 8h31m00s
